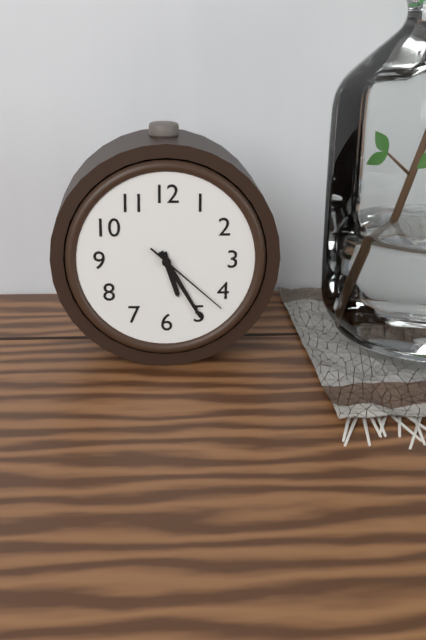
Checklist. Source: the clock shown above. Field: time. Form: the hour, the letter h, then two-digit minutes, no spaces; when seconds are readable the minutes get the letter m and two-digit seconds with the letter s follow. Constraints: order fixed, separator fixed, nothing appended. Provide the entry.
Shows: 5h25m22s
